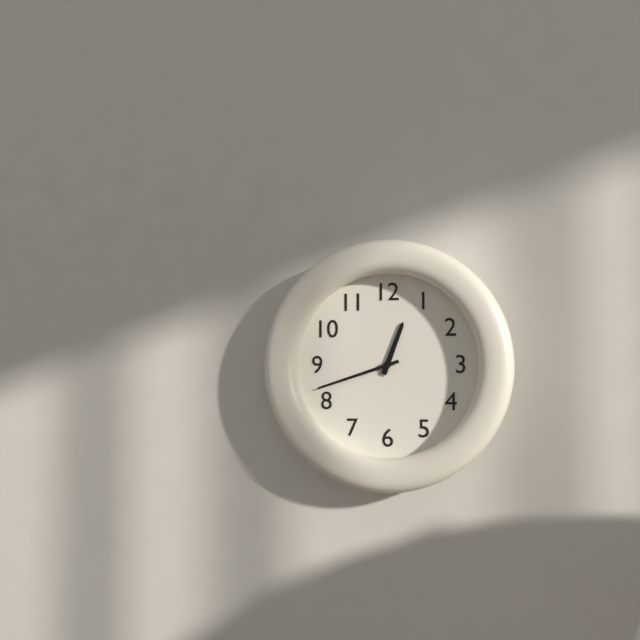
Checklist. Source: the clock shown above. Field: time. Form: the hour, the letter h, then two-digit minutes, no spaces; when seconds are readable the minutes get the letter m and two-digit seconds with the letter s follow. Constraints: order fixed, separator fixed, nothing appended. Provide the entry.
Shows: 12h42
